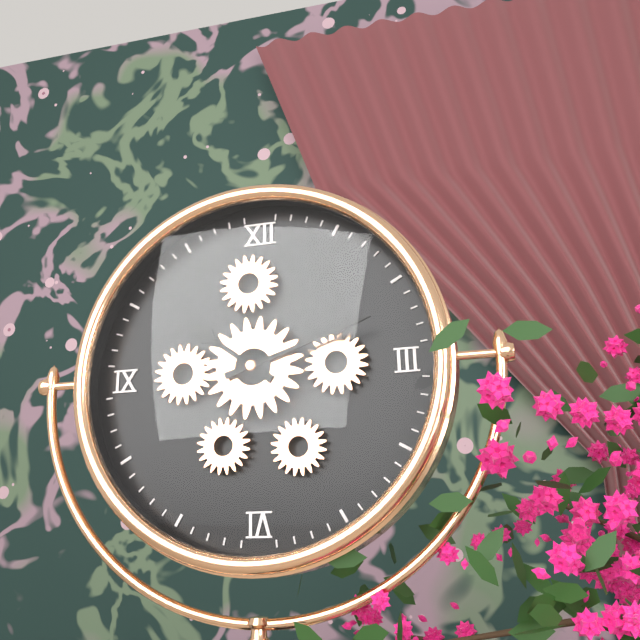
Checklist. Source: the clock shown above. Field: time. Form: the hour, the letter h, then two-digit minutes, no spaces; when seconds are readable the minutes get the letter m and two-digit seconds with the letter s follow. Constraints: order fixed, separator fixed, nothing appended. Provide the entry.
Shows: 10h12
